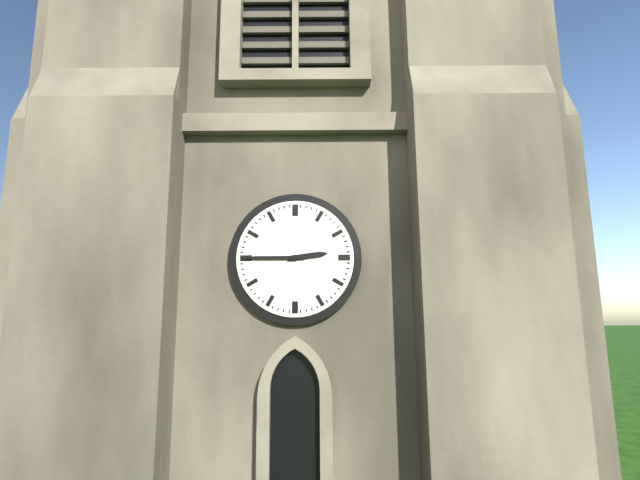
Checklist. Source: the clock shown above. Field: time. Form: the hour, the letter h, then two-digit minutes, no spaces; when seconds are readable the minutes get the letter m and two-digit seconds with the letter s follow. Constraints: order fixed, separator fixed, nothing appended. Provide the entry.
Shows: 2h45
